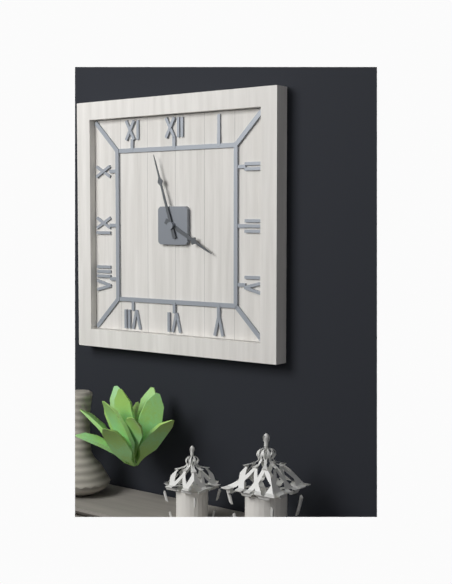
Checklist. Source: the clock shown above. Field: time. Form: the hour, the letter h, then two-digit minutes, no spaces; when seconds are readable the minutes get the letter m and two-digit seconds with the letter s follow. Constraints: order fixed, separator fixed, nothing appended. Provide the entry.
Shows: 3h57
